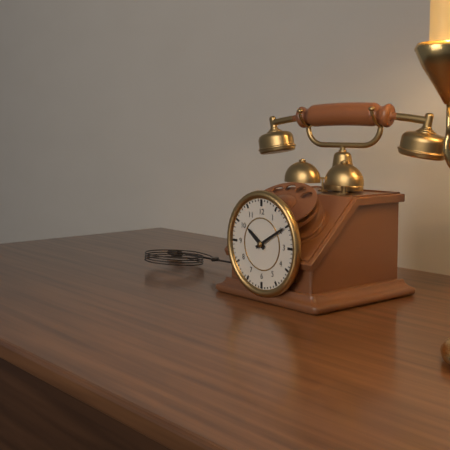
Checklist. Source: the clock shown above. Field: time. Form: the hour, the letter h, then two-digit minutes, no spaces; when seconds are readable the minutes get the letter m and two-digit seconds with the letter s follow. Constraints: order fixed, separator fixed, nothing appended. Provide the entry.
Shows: 10h10
